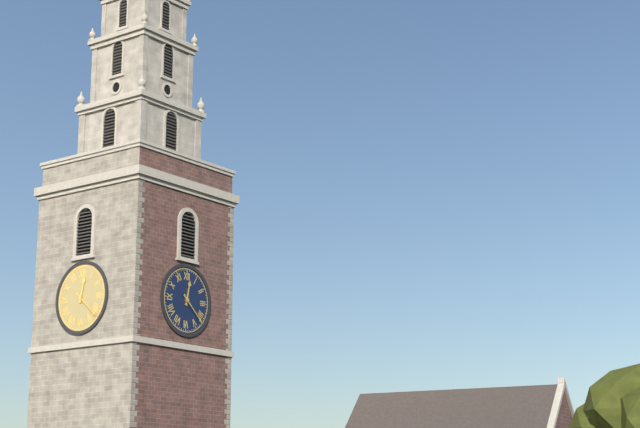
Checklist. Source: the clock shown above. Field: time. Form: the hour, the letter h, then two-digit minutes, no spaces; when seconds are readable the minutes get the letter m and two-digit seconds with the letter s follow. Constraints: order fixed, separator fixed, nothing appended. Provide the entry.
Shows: 12h22
